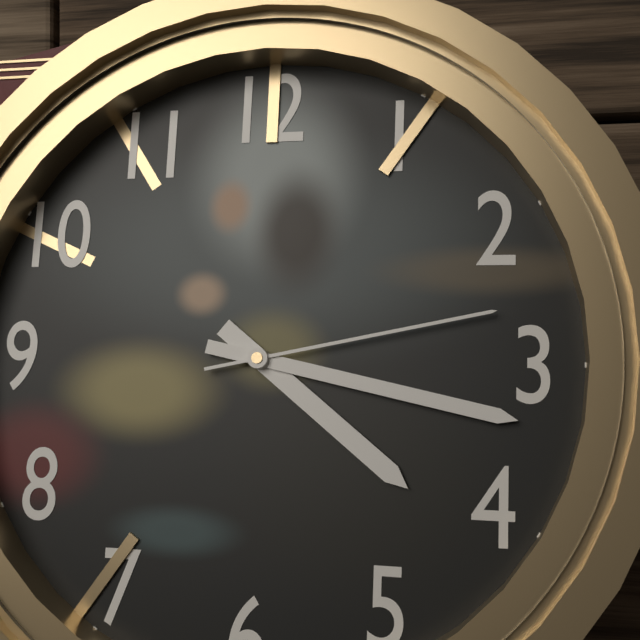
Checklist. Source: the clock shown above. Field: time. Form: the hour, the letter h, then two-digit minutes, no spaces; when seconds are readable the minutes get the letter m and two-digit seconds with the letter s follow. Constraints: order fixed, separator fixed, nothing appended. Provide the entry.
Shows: 4h17m13s
